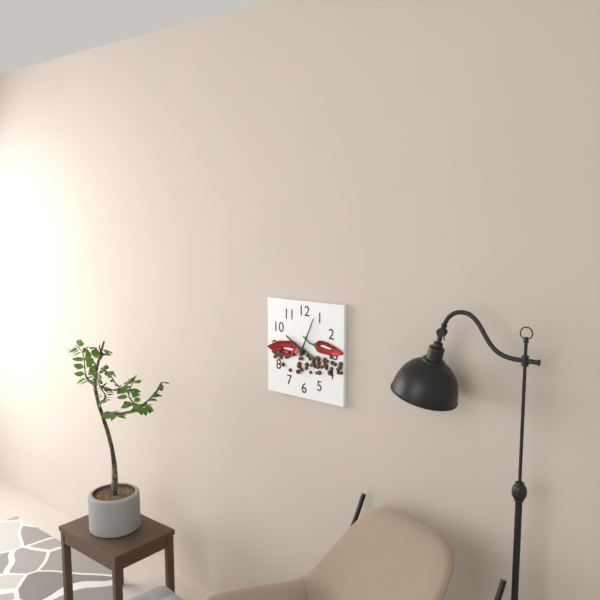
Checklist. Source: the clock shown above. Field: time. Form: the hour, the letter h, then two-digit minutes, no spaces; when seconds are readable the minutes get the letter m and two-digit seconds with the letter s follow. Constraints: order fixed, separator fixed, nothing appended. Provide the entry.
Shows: 10h04
